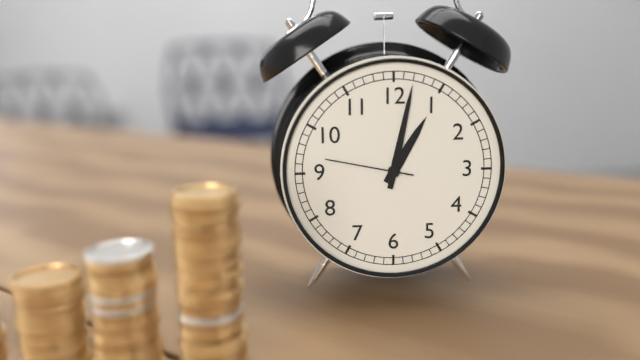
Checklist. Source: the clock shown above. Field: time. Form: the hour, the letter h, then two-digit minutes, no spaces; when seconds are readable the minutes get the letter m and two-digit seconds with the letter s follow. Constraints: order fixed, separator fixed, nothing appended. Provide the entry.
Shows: 1h02m47s
